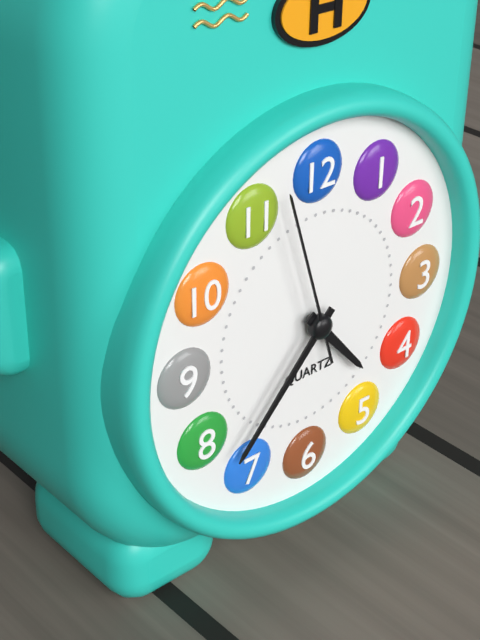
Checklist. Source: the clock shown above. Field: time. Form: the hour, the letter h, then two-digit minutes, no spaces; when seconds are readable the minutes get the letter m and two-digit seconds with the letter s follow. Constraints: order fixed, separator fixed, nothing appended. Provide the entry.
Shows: 4h37m57s
